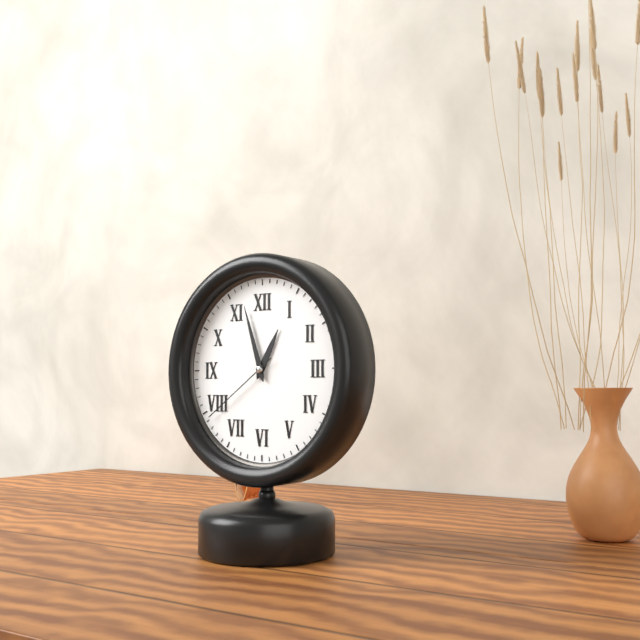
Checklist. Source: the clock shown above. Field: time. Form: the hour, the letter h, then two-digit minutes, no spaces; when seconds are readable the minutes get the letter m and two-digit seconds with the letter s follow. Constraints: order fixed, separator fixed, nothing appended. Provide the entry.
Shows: 12h57m39s
